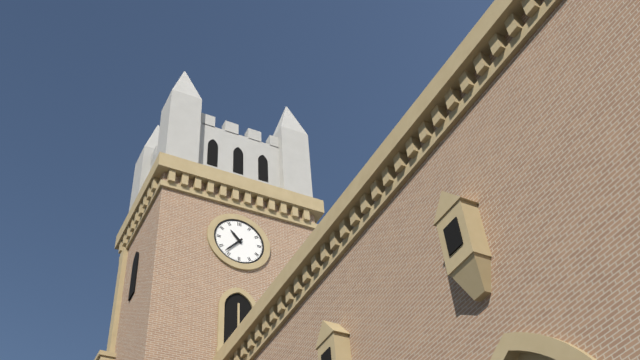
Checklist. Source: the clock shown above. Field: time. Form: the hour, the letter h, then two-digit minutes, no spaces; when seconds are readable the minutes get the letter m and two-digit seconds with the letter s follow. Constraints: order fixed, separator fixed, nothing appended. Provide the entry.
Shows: 10h37
